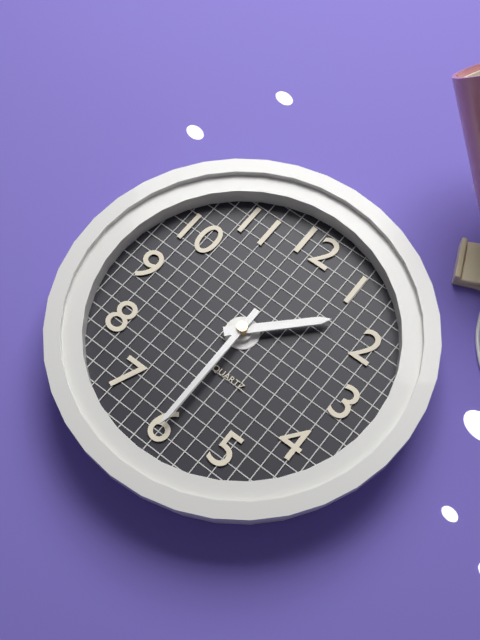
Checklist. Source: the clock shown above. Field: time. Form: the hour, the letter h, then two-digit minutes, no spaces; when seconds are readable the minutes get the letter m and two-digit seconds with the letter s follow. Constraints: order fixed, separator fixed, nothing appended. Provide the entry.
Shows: 1h30
